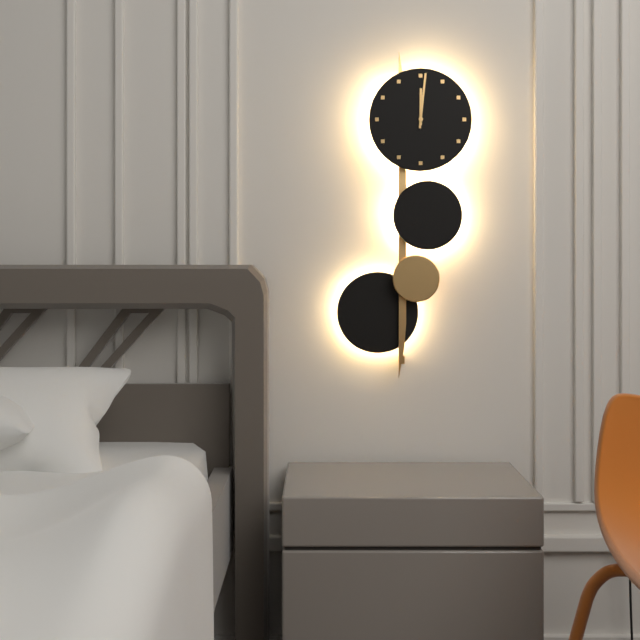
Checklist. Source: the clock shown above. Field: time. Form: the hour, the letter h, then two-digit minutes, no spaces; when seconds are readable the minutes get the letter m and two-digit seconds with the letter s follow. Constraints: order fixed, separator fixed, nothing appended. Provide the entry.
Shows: 12h01
